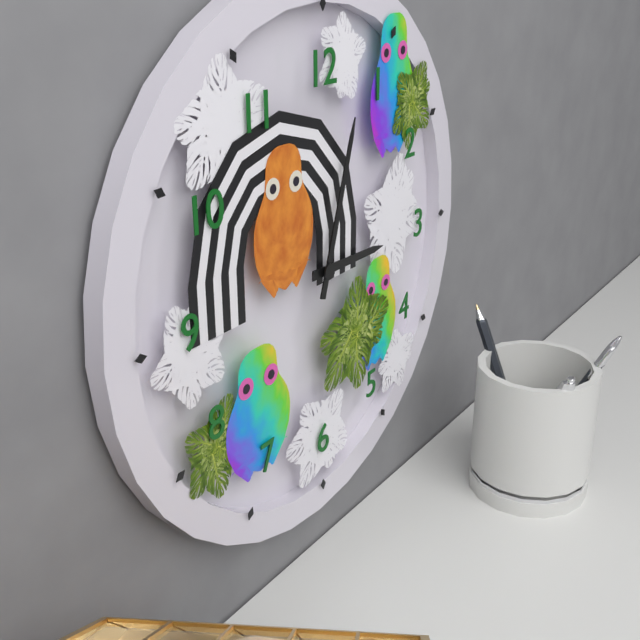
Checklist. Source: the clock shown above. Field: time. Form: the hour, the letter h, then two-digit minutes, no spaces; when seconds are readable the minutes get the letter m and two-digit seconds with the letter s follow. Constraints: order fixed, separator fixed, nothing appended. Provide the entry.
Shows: 3h03
